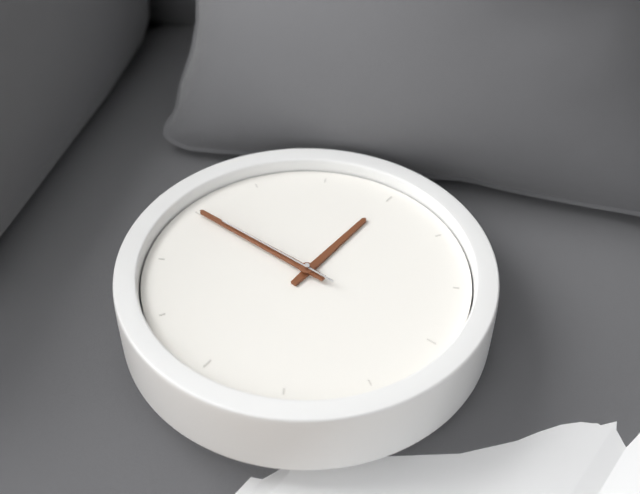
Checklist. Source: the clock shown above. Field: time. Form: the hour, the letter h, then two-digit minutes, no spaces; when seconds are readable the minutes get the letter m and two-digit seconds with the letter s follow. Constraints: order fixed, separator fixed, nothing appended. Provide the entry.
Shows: 3h00m00s
